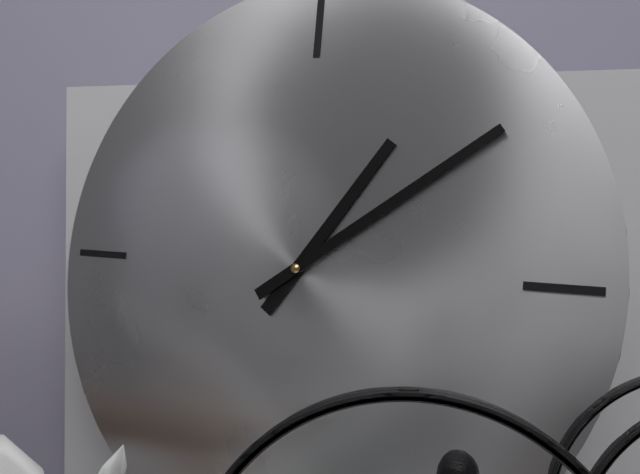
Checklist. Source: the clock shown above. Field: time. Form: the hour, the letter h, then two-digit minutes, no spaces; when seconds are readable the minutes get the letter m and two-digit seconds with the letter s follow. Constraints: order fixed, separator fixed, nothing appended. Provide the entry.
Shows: 1h09
